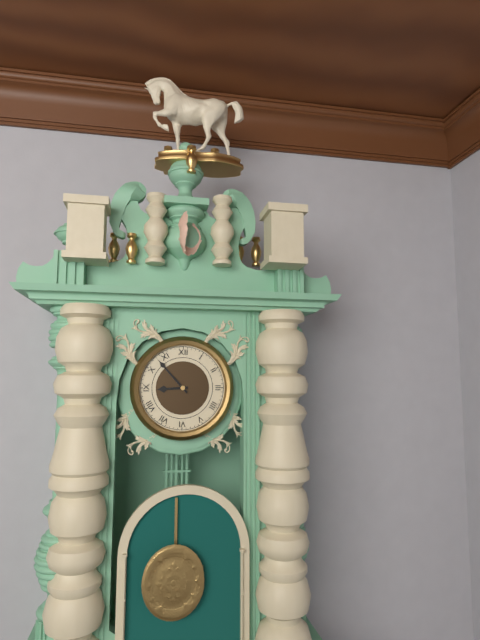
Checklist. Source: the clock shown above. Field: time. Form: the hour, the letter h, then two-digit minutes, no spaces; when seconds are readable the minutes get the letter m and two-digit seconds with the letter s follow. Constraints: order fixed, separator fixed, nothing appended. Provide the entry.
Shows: 8h53
